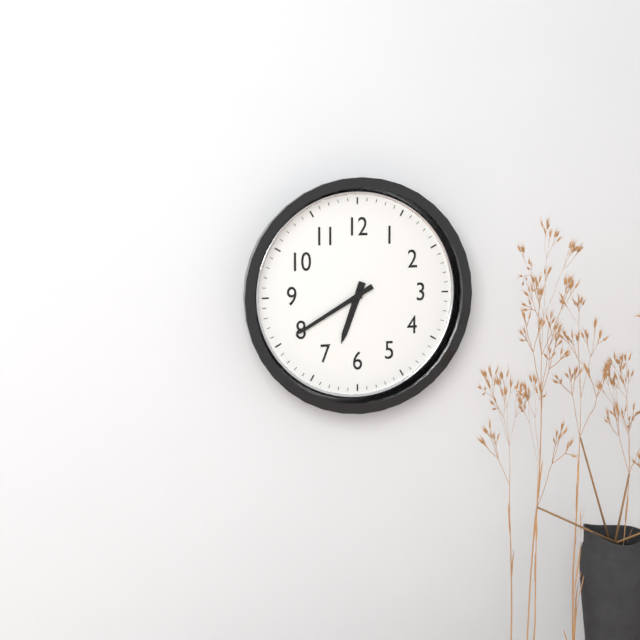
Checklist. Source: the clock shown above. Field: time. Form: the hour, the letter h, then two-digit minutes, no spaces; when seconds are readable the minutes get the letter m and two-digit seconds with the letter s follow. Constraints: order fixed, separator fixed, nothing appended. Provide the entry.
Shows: 6h40
